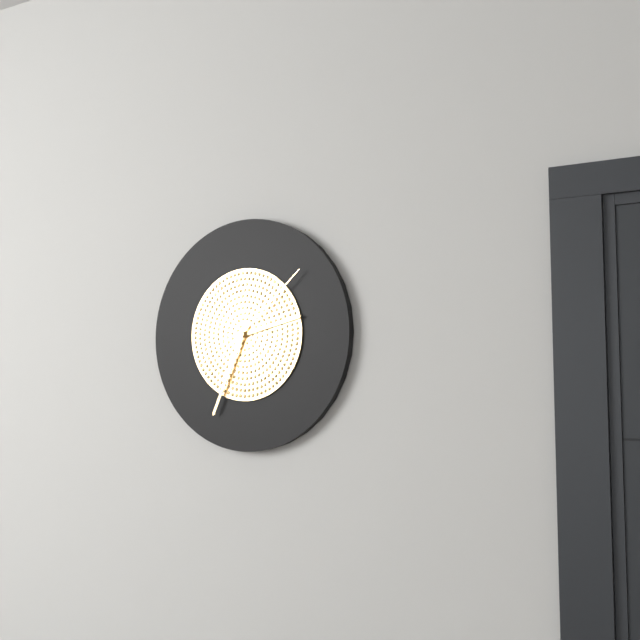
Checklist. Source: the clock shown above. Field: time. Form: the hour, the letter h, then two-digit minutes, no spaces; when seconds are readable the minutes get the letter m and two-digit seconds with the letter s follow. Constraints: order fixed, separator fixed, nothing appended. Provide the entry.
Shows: 2h34m08s
